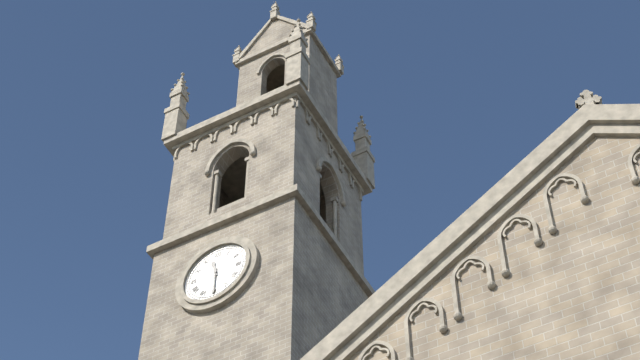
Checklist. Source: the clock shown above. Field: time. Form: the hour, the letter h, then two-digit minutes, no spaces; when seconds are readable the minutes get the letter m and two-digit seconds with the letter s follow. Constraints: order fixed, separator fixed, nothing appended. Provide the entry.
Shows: 11h30
